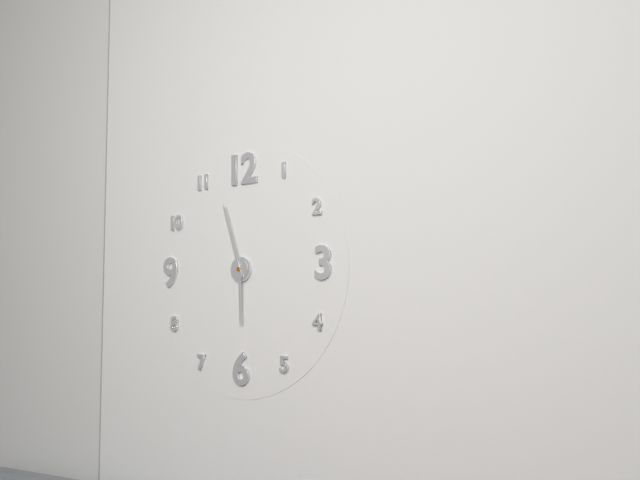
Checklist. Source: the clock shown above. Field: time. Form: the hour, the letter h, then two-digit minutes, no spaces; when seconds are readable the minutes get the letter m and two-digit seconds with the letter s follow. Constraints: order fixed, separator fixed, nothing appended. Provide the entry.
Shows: 5h57
